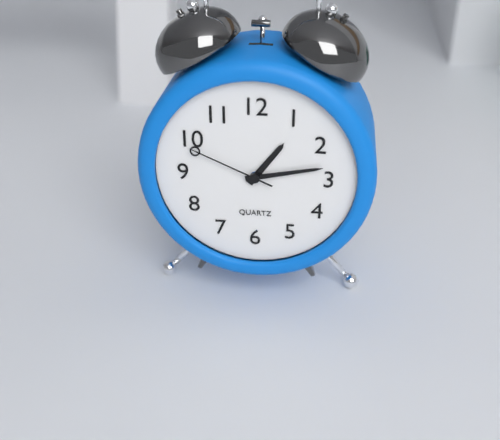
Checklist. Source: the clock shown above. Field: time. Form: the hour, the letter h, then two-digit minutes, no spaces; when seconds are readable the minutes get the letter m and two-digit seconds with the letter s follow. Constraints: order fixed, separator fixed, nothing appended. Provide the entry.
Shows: 1h13m49s
